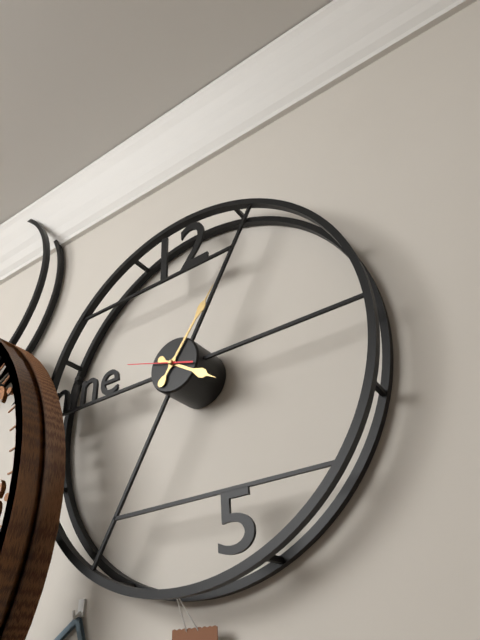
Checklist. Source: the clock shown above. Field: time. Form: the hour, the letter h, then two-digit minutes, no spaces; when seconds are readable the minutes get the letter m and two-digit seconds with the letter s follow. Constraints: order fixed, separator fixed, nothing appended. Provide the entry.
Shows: 4h06m48s
